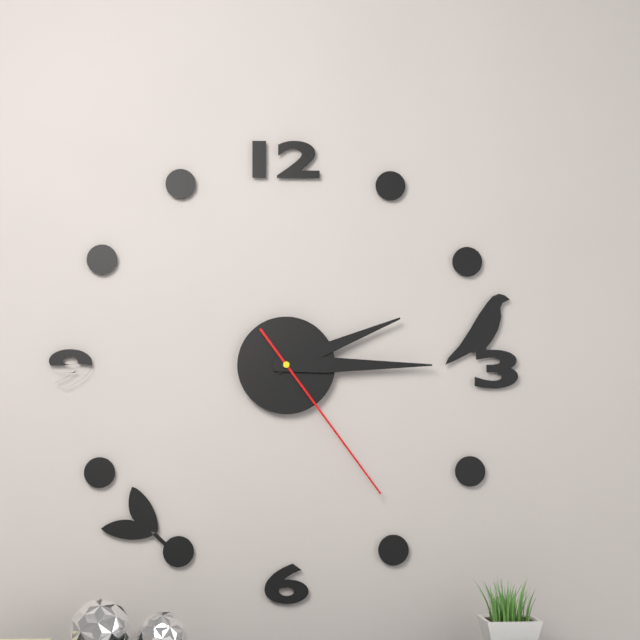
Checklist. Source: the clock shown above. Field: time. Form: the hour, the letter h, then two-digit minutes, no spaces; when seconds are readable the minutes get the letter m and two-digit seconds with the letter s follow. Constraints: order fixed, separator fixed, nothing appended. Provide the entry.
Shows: 2h15m24s
